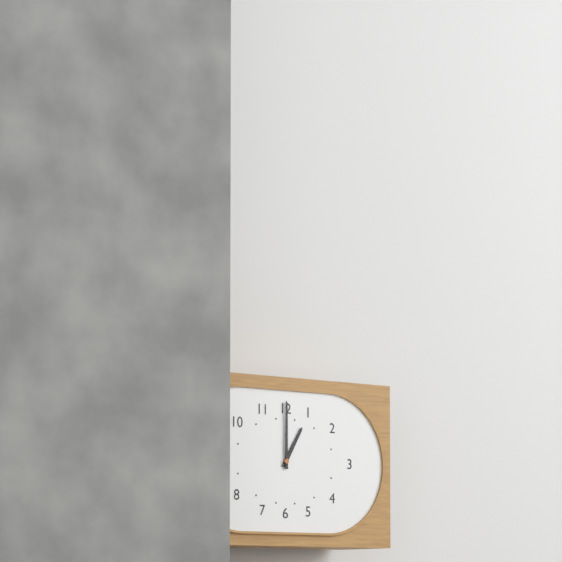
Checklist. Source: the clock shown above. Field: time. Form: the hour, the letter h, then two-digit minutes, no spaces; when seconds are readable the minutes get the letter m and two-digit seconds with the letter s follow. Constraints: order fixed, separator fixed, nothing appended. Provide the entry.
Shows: 1h00
